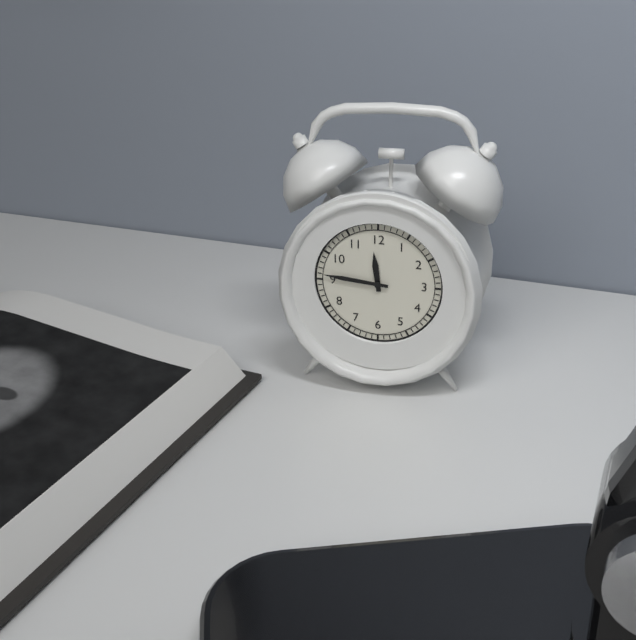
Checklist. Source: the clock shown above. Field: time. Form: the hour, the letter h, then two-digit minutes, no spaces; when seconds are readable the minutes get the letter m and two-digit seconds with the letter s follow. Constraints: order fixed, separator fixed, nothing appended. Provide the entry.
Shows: 11h46
